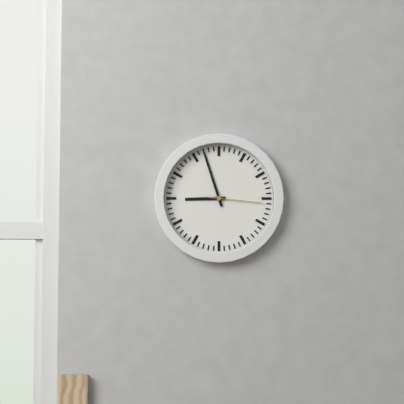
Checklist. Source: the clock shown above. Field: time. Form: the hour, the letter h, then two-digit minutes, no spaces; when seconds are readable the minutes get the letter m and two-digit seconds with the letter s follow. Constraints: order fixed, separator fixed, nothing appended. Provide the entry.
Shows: 8h57m16s
